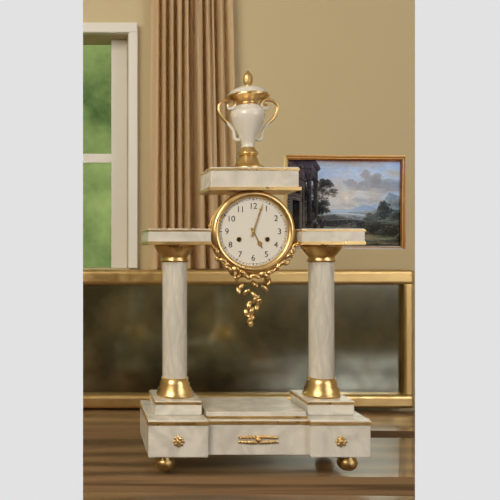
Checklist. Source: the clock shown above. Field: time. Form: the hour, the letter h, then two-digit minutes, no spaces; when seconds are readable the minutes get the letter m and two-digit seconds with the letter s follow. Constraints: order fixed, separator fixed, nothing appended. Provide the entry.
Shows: 5h03
